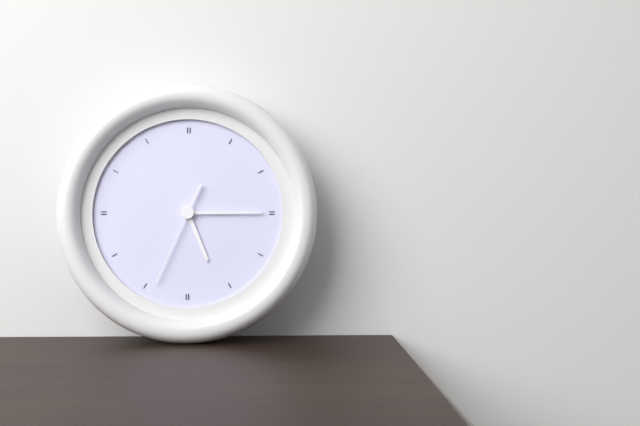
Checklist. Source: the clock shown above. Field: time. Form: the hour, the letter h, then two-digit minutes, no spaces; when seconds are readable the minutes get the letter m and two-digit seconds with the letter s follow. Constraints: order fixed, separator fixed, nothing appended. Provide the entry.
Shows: 5h15m34s
